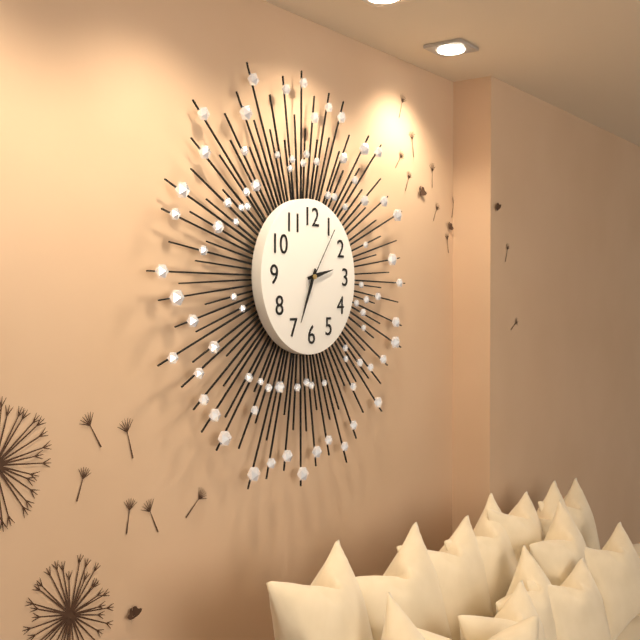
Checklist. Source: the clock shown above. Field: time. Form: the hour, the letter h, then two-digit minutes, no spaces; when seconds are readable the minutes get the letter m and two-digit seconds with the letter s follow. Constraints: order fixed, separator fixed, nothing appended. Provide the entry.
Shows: 2h34m06s
